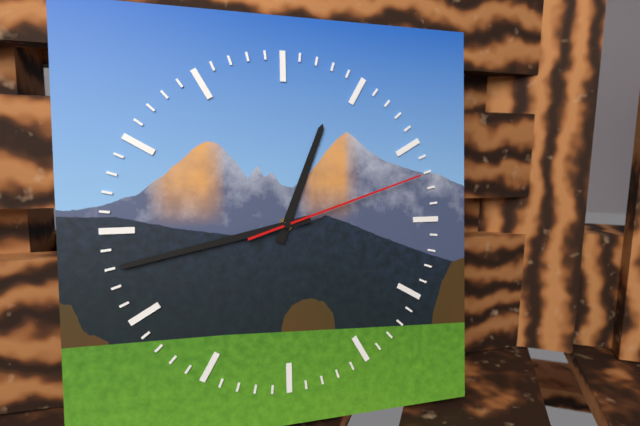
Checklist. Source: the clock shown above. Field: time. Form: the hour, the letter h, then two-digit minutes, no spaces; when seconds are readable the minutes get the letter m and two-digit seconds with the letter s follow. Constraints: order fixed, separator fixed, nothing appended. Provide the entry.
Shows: 12h43m12s
